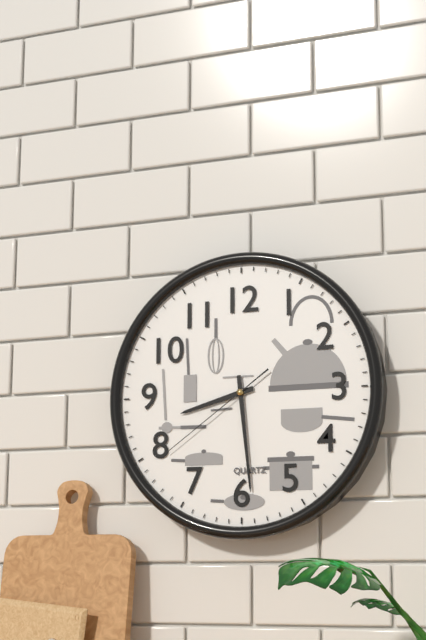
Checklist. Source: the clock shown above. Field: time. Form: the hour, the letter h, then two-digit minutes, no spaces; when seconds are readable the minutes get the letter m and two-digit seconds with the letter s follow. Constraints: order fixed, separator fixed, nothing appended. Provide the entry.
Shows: 8h29m39s
